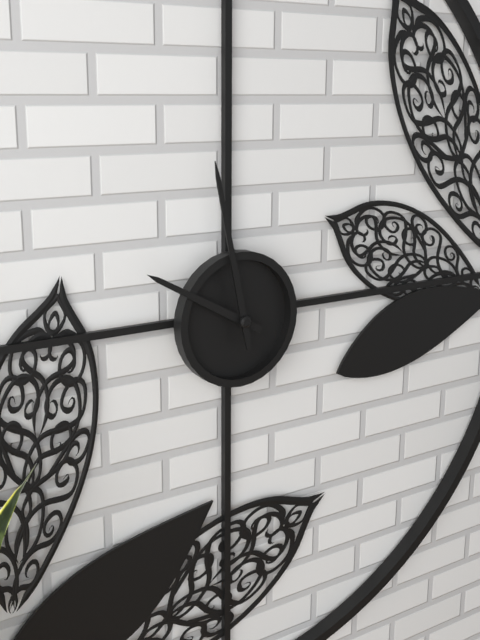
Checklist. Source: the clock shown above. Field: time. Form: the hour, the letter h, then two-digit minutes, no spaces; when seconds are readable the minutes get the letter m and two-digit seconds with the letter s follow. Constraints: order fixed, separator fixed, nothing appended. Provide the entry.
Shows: 9h58
